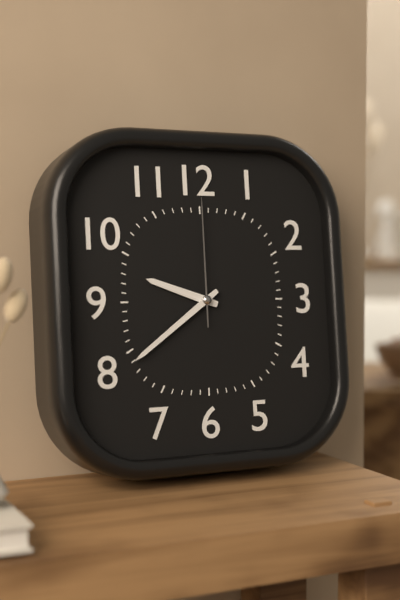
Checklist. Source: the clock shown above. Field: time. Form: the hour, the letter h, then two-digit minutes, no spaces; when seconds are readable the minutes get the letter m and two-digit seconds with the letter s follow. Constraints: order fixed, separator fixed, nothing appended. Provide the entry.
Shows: 9h39m00s
